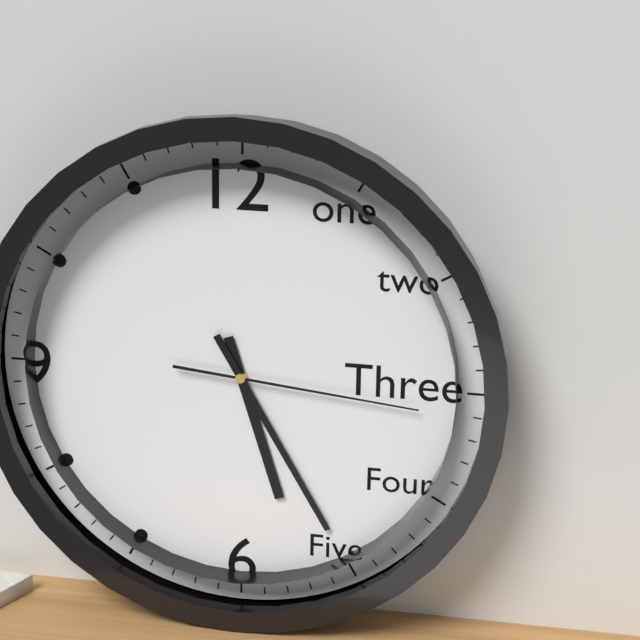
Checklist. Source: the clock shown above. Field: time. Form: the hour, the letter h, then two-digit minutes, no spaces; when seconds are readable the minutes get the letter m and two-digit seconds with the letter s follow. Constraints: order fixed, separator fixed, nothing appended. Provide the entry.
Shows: 5h25m16s
